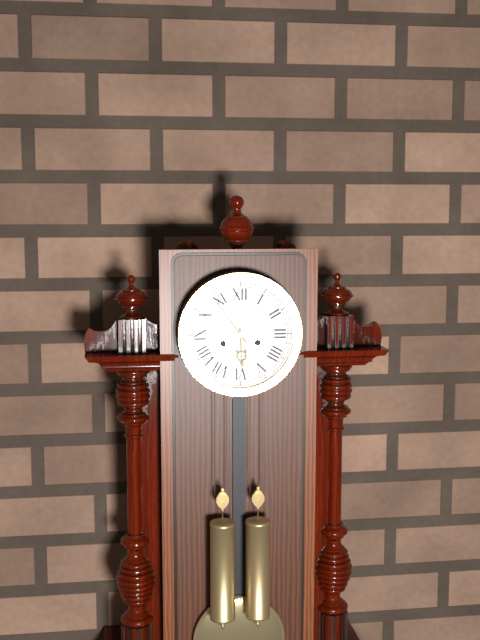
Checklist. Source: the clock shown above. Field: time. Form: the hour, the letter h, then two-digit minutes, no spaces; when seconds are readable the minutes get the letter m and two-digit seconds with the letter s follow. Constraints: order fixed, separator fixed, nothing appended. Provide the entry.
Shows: 5h54
